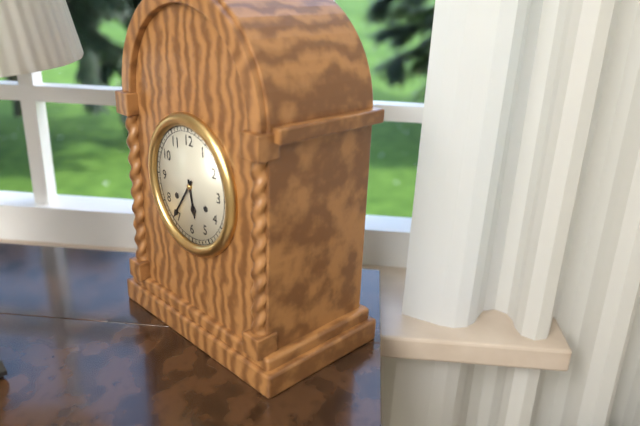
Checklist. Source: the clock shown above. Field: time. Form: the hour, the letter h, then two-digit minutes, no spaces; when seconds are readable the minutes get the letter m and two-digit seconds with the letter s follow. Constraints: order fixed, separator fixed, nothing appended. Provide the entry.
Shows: 5h36
